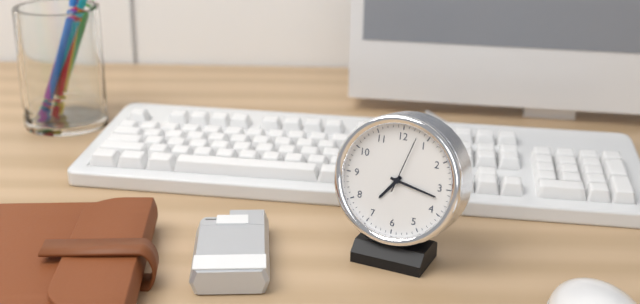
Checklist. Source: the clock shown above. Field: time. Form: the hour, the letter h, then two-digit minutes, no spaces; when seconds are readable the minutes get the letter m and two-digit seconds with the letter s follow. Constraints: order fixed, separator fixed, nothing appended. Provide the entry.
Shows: 7h17m03s
